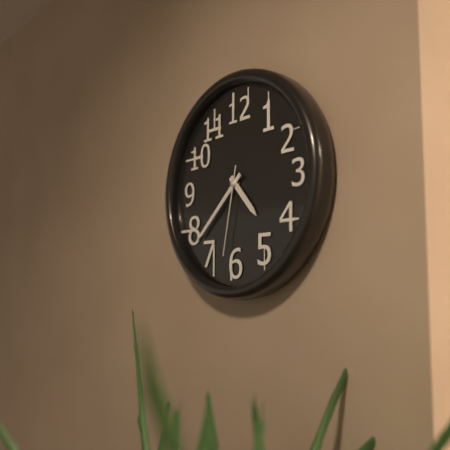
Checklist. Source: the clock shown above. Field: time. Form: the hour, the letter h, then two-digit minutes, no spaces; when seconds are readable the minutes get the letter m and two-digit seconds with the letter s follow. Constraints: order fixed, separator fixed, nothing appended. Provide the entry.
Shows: 4h38m32s
